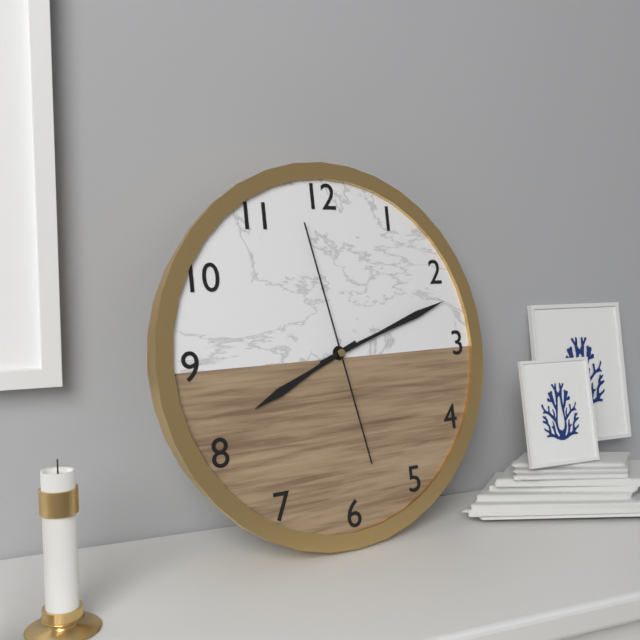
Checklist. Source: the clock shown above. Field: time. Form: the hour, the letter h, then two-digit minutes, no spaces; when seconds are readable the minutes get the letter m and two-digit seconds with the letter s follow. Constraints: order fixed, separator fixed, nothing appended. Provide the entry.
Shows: 8h12m58s
